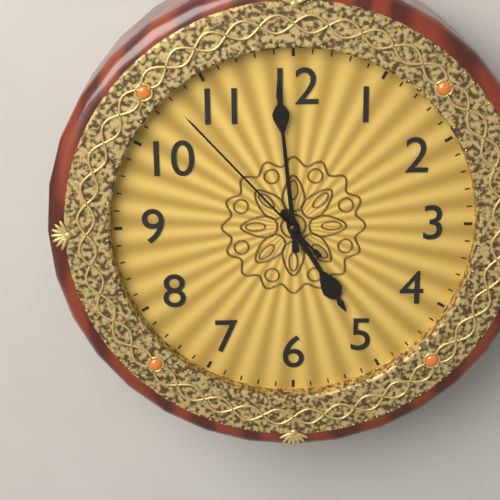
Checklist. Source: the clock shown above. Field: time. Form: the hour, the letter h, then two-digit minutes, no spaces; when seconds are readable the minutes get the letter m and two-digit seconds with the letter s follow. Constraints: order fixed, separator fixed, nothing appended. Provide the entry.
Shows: 4h59m53s
